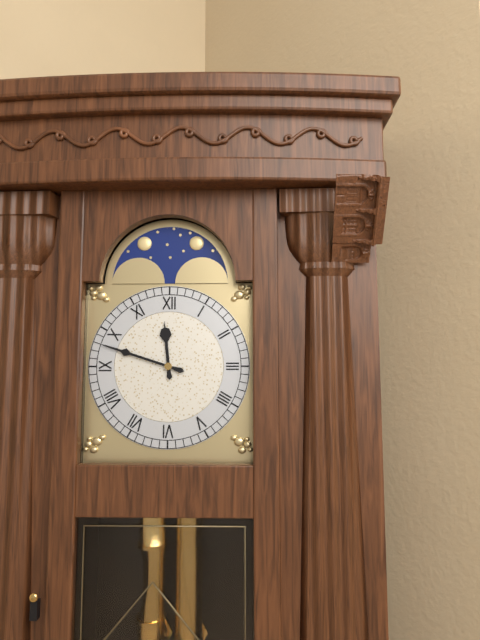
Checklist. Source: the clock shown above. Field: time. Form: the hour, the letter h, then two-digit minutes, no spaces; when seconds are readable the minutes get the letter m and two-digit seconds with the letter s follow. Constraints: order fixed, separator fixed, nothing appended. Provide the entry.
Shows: 11h48
